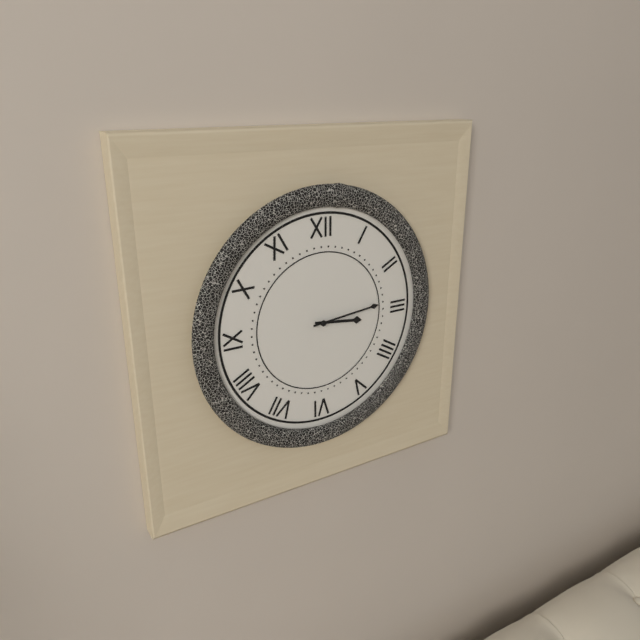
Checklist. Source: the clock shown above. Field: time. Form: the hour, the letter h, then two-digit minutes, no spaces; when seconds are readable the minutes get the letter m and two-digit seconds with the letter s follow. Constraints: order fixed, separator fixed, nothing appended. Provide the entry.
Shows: 3h14
